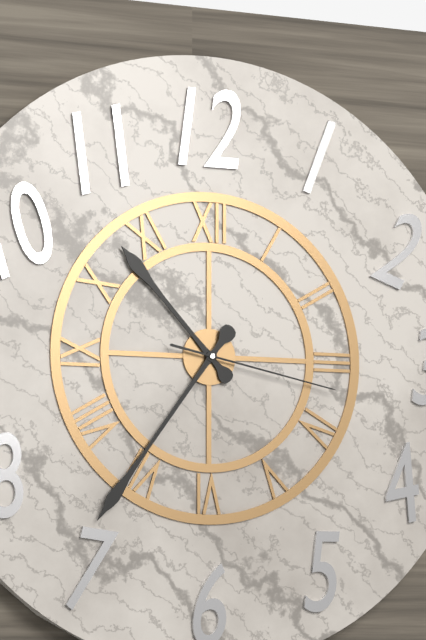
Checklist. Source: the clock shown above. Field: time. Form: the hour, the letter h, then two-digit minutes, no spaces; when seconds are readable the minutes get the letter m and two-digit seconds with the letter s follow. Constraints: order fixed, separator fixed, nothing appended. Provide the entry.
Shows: 10h36m17s
